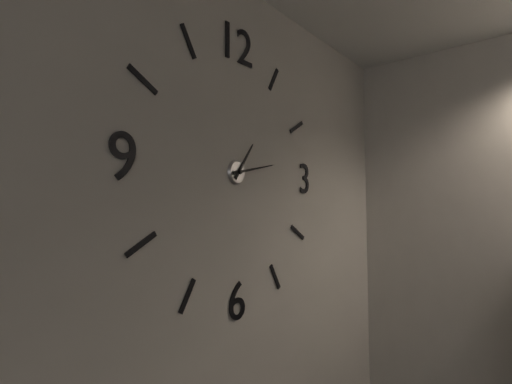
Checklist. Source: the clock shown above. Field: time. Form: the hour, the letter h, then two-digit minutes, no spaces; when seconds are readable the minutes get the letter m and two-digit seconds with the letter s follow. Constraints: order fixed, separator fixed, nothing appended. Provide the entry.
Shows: 1h13
